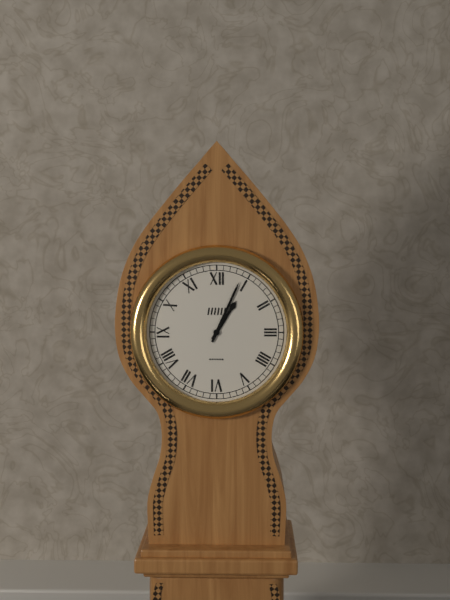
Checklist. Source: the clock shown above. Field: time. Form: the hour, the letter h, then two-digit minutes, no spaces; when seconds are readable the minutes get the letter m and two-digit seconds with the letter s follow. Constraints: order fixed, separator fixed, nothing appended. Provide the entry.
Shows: 1h04
